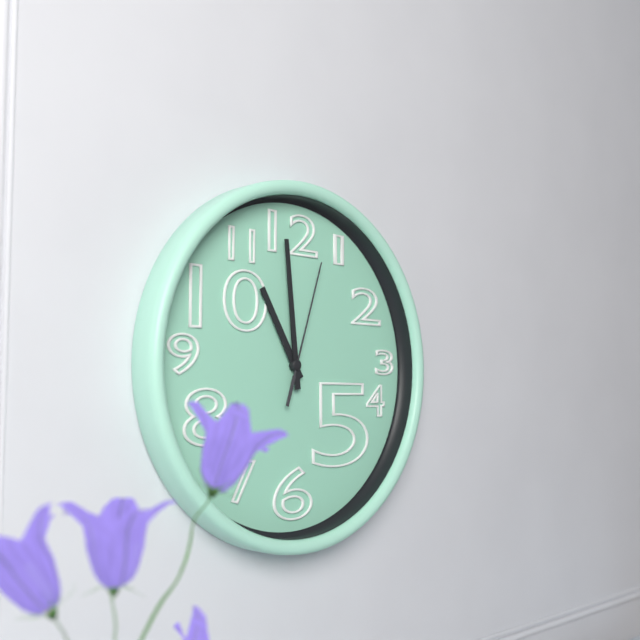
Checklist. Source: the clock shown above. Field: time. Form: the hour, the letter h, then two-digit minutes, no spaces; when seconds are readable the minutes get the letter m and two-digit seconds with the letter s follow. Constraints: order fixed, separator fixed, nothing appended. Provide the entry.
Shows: 10h59m03s
